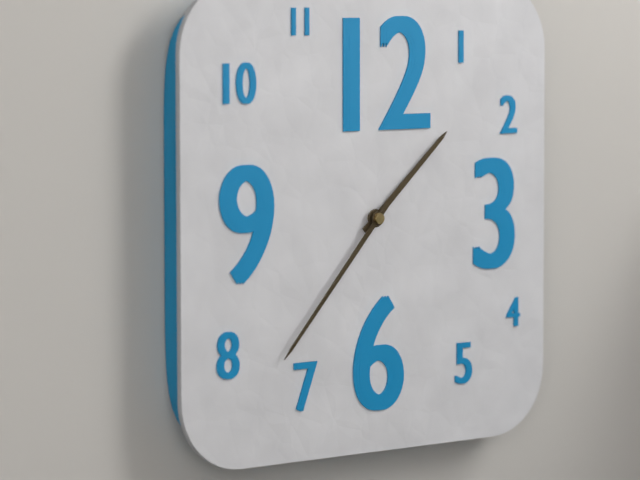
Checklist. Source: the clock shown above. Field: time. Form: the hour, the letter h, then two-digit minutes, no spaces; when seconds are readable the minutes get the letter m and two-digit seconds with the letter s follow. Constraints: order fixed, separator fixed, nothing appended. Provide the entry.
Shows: 1h37
